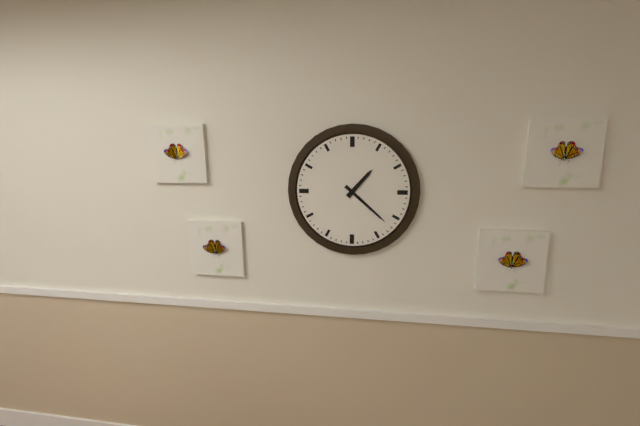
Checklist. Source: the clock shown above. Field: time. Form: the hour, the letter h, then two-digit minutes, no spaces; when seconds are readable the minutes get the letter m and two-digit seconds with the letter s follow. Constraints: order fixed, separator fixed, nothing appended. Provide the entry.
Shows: 1h22
